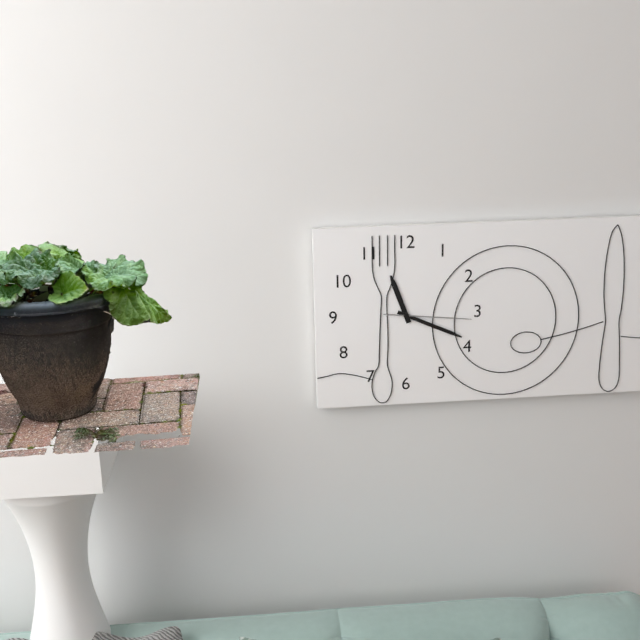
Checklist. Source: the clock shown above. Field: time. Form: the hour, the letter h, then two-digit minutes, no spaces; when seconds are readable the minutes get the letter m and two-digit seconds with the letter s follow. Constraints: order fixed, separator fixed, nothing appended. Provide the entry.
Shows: 11h19m16s
